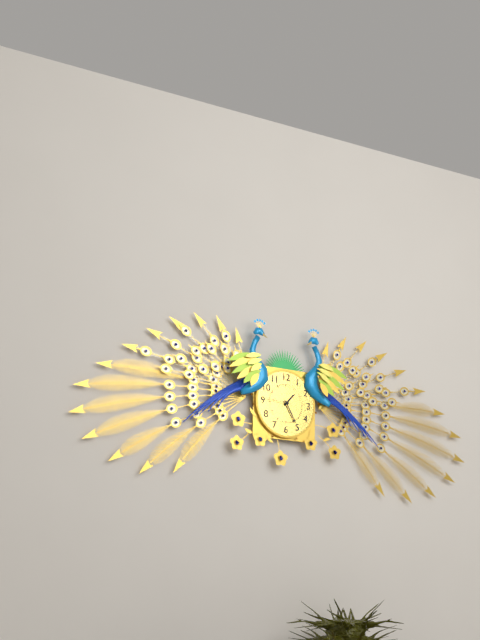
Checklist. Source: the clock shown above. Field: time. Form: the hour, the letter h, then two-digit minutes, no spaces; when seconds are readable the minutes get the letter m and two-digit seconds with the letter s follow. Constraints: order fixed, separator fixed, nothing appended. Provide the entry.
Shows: 1h25
